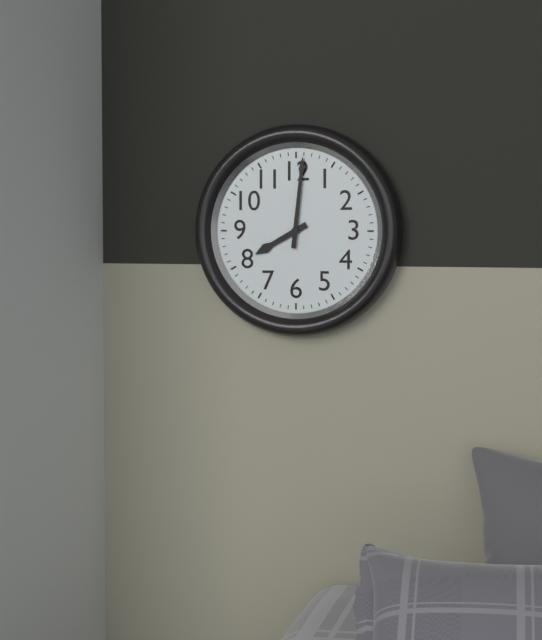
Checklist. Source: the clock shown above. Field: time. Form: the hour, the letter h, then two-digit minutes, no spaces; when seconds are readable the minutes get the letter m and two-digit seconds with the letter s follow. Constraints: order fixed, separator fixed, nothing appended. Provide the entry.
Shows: 8h01
